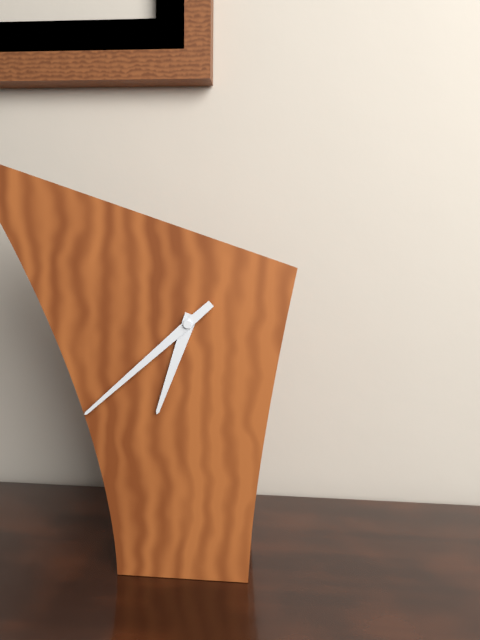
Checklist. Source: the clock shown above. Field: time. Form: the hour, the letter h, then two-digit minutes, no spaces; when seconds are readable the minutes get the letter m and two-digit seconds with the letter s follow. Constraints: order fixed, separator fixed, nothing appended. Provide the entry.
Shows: 6h38
